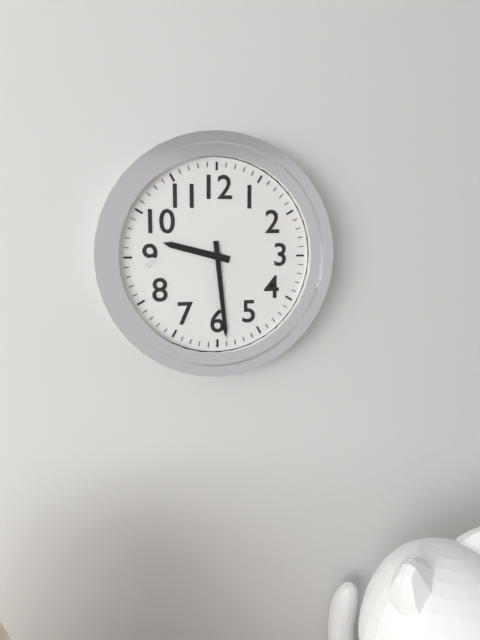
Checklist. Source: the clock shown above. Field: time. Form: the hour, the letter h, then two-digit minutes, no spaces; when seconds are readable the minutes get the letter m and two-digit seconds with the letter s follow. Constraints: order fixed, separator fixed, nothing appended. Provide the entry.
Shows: 9h29
